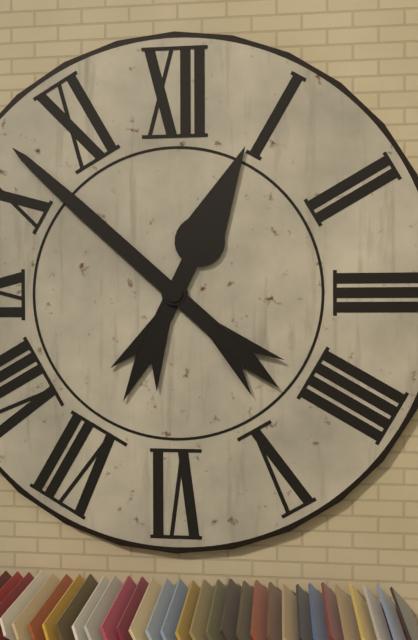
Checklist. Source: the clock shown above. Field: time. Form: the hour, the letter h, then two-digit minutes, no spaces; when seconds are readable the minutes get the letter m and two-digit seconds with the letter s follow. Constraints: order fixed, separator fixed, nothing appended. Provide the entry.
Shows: 12h52
